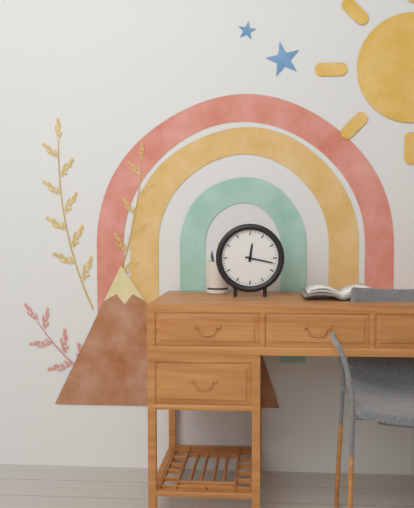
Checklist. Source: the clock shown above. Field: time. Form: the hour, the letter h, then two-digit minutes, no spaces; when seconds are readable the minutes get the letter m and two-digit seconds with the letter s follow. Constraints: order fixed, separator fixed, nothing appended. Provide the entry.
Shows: 12h17
